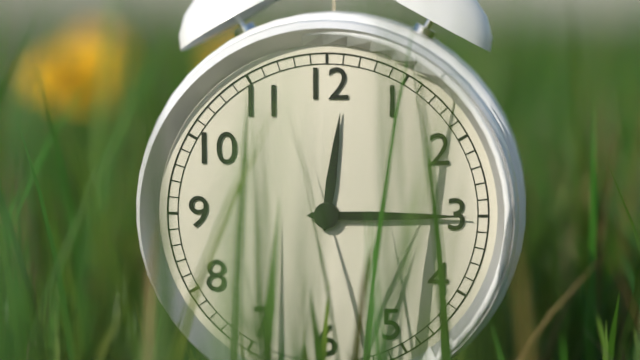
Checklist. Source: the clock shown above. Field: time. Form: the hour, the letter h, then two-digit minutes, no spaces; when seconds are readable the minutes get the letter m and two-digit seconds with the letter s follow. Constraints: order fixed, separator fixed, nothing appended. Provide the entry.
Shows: 12h15
